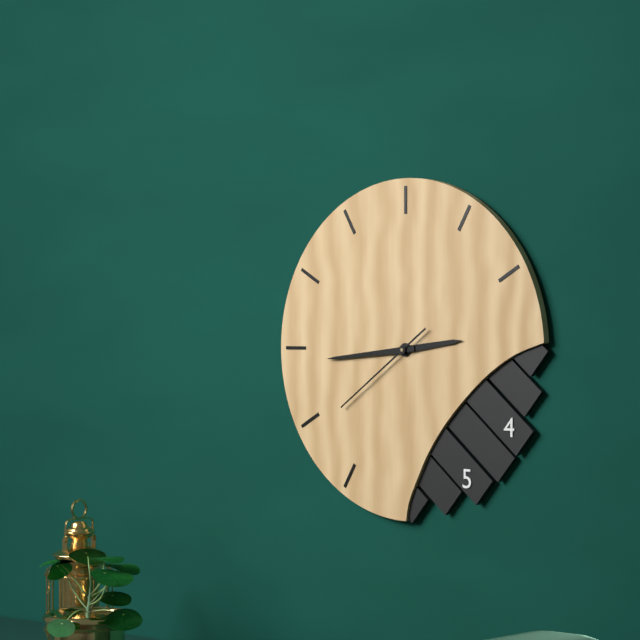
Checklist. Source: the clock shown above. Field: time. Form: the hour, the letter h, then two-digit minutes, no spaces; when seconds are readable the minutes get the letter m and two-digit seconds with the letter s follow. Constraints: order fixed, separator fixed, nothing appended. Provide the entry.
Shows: 2h44m39s
